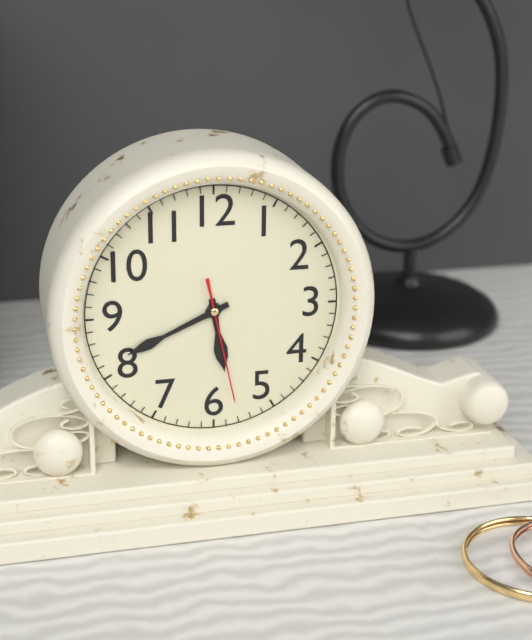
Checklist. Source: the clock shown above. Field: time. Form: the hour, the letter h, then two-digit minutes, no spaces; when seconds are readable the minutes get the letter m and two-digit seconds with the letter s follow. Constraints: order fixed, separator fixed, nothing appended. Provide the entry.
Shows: 5h41m28s
